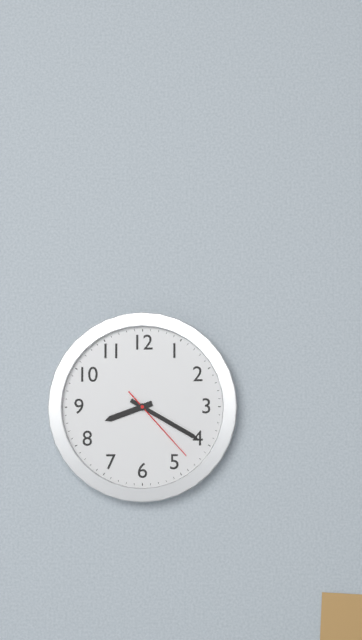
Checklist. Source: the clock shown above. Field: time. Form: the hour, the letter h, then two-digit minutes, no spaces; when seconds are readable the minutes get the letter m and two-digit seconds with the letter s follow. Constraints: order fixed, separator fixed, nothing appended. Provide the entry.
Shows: 8h20m23s
